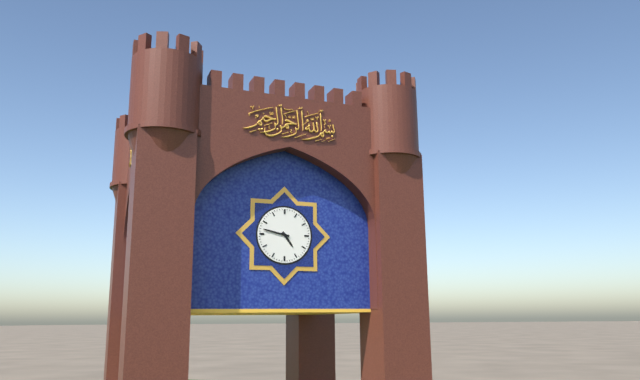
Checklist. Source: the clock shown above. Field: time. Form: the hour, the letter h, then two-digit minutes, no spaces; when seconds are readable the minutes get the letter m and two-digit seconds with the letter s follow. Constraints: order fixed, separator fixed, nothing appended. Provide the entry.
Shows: 4h47
